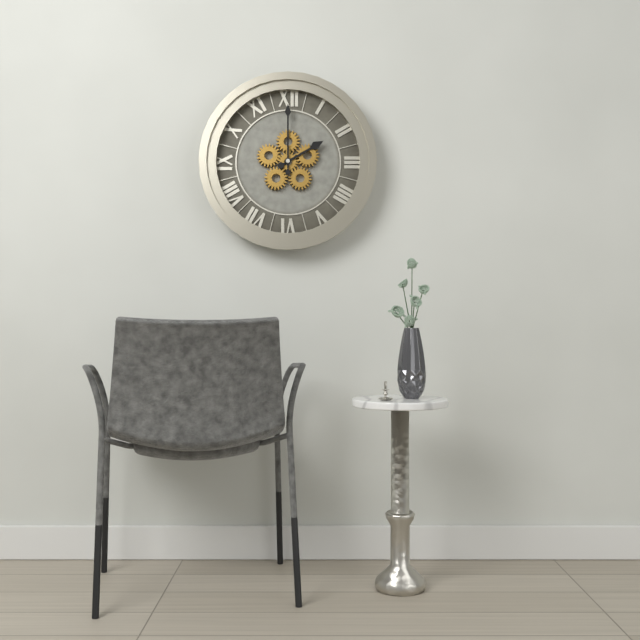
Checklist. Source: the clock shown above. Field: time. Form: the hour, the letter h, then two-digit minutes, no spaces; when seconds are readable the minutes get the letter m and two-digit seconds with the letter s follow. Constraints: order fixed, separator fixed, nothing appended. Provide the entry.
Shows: 2h00
